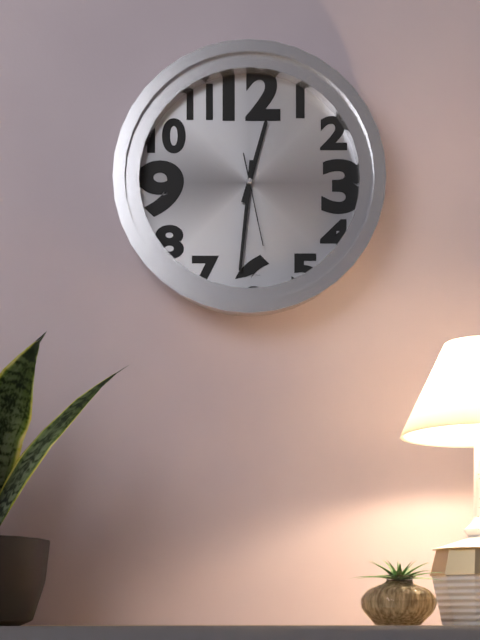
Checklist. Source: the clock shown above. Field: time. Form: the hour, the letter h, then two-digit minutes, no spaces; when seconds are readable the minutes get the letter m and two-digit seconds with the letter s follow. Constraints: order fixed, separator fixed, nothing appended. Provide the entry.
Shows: 12h31m28s
